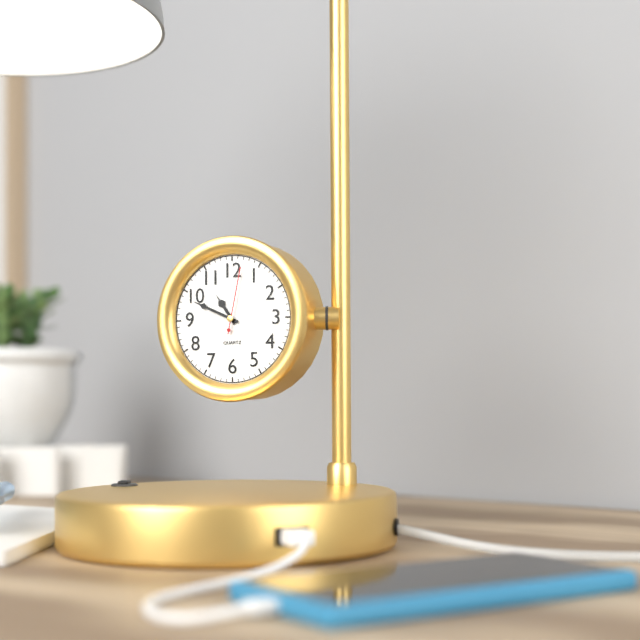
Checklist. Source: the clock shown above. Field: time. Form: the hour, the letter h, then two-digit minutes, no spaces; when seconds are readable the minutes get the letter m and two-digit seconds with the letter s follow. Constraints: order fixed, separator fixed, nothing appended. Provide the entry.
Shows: 10h49m02s
